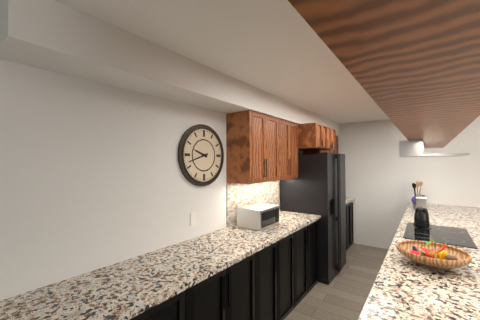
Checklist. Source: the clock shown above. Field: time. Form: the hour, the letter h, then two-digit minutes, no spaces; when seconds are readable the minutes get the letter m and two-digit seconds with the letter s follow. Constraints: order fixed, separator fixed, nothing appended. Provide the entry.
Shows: 9h42
